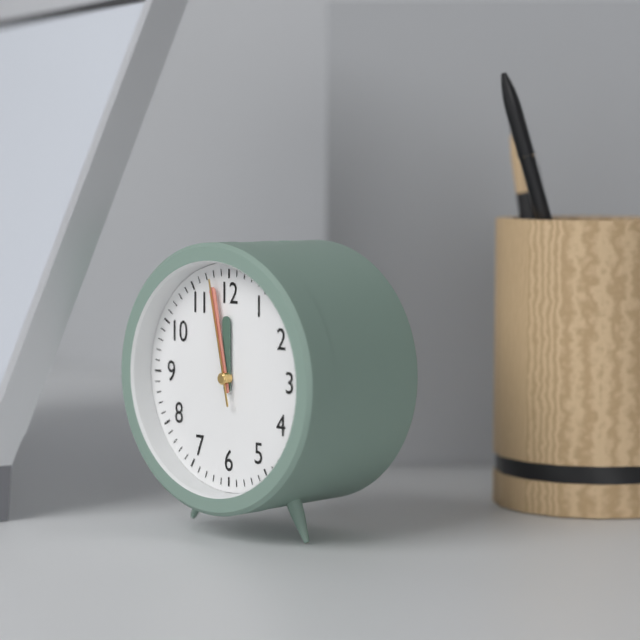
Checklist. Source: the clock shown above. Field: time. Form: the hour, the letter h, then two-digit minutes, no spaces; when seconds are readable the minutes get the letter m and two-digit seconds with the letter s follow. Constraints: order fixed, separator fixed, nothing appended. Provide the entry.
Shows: 11h58m58s
